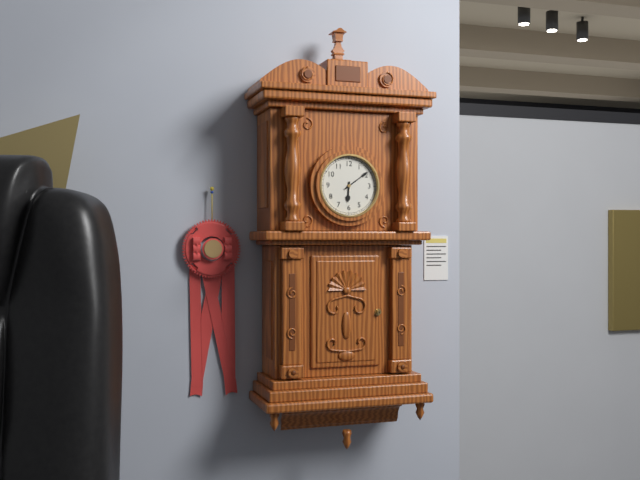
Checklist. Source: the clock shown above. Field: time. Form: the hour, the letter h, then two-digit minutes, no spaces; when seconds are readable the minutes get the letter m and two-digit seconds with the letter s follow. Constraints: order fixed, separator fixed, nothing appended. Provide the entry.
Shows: 6h09
